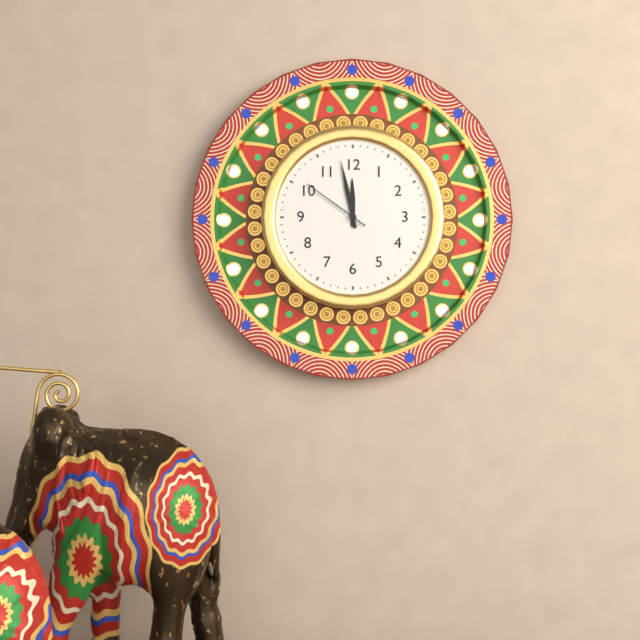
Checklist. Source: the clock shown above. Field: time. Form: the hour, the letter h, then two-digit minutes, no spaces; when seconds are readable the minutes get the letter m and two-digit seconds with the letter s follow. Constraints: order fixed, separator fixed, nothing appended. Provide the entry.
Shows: 11h58m51s
